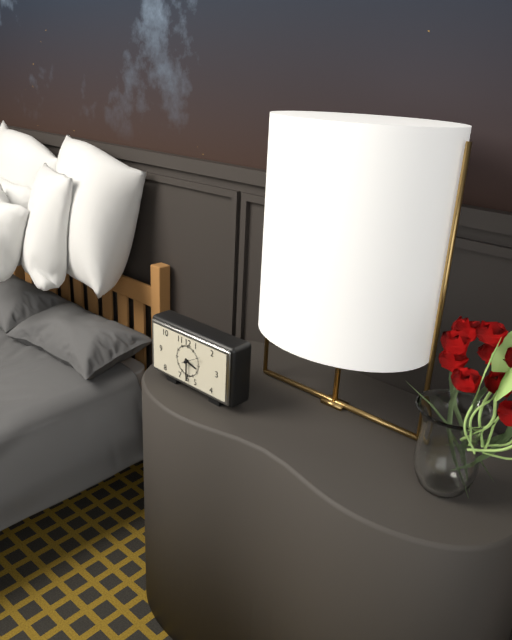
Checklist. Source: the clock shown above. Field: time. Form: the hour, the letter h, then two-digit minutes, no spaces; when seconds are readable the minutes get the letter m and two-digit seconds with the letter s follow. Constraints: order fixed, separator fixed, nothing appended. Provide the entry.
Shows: 3h30
